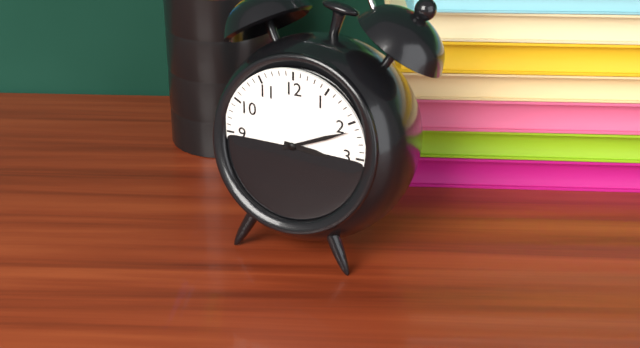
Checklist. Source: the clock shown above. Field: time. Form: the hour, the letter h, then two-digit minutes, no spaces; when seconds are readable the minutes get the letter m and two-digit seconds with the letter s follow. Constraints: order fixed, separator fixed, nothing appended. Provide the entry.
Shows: 3h11
